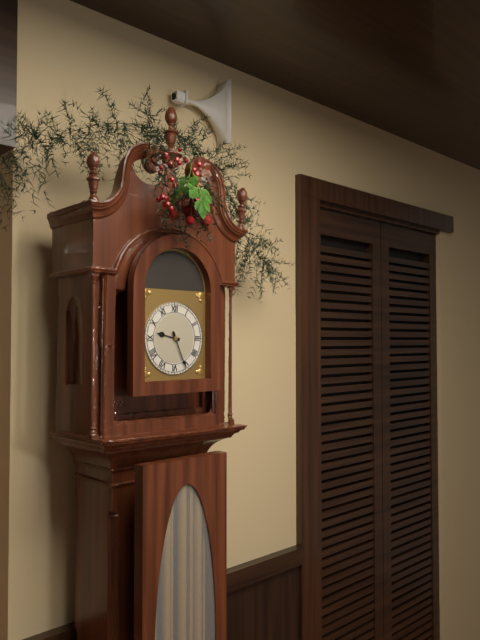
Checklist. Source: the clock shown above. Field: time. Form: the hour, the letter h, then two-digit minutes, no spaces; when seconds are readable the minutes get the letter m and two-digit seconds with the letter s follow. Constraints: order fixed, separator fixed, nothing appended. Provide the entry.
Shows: 9h26
